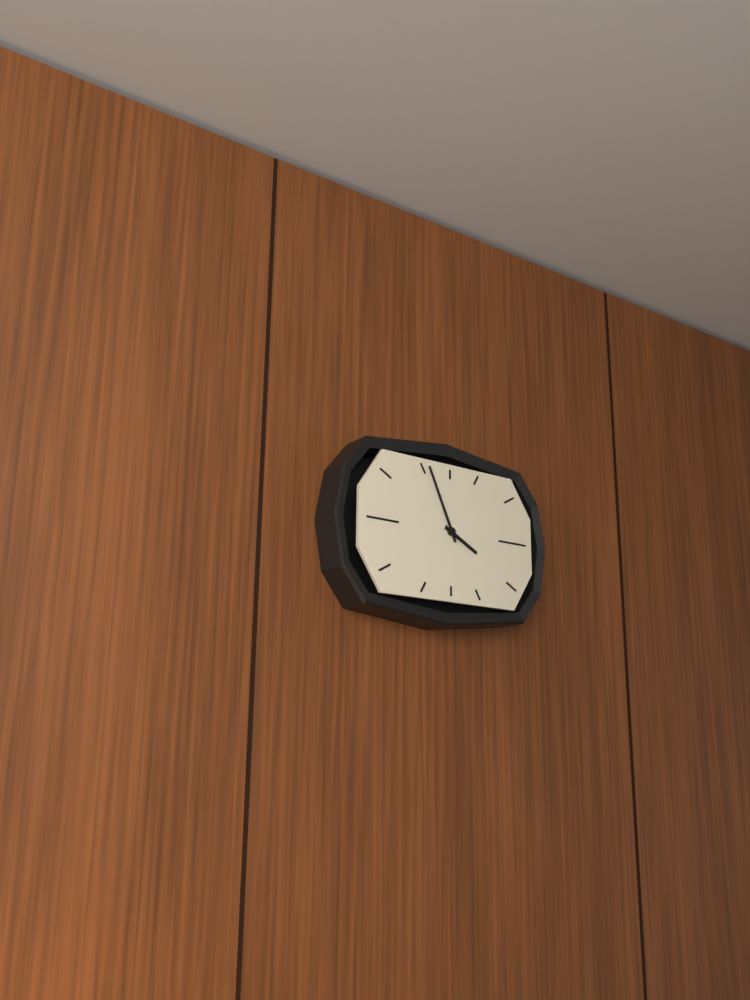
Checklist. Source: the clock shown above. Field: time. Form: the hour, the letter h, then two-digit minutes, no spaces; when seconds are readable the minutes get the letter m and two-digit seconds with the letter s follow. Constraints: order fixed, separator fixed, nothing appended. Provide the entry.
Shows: 3h56
